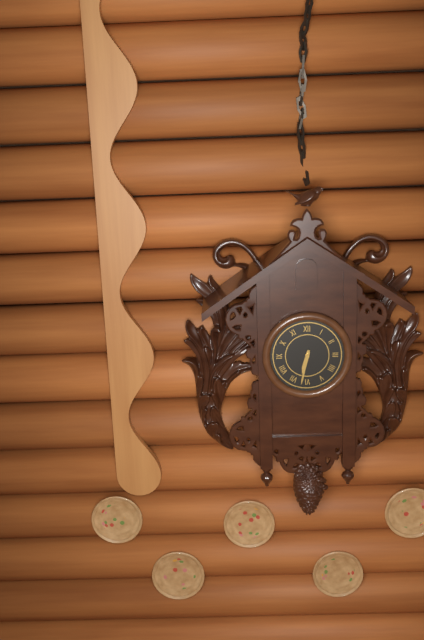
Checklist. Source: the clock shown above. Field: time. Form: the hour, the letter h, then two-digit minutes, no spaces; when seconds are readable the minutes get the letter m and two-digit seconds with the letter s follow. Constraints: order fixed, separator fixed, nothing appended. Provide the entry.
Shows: 6h32
